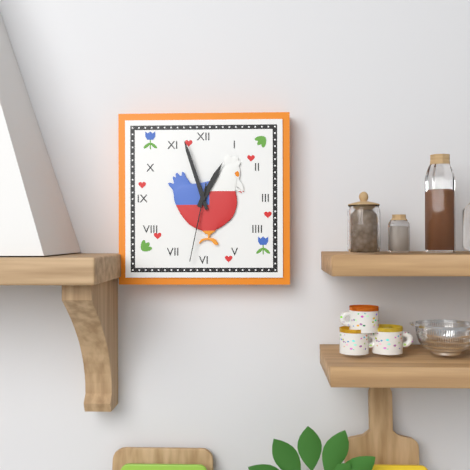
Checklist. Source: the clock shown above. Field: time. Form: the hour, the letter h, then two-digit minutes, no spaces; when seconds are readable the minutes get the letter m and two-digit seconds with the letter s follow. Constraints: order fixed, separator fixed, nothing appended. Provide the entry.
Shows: 12h57m32s
